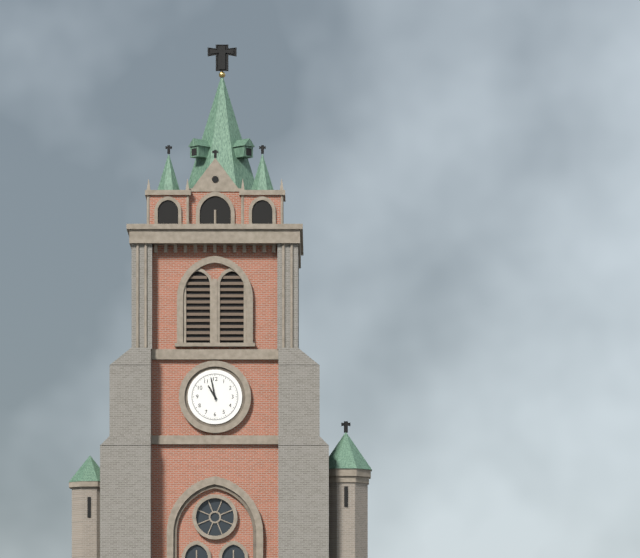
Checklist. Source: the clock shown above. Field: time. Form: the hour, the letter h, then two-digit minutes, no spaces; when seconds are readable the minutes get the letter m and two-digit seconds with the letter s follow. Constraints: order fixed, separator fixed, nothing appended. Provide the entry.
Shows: 10h58
